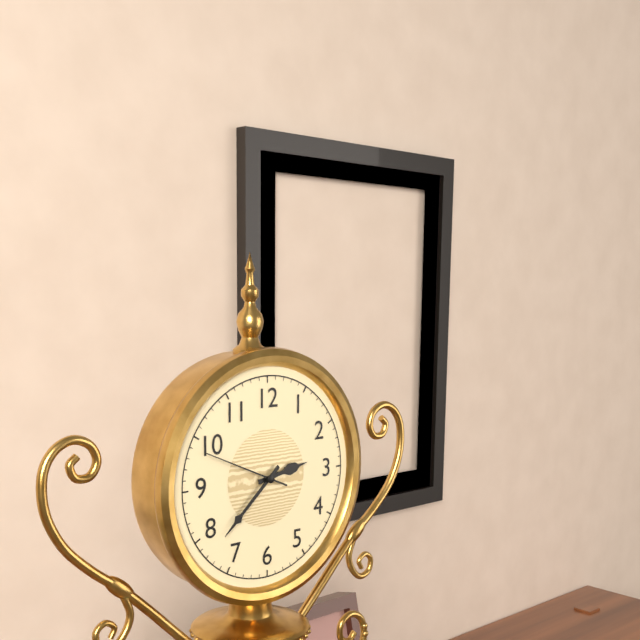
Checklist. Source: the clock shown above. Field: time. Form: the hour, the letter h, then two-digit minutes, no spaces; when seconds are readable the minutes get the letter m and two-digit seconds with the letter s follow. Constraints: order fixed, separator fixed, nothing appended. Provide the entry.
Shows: 2h38m49s
